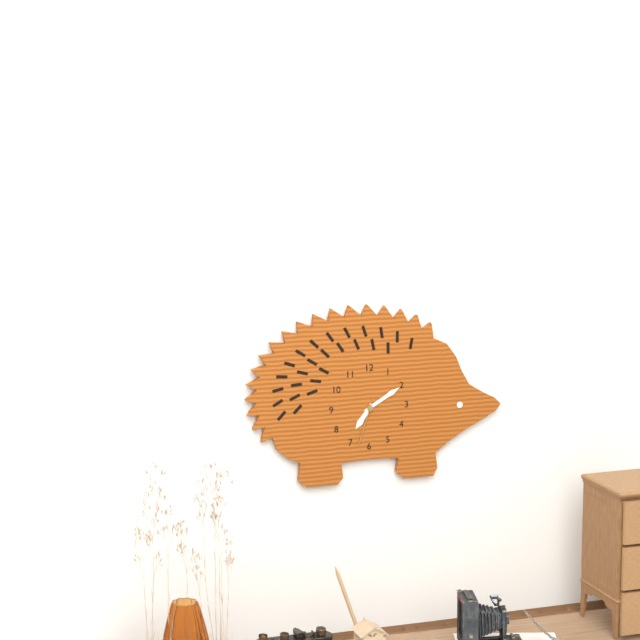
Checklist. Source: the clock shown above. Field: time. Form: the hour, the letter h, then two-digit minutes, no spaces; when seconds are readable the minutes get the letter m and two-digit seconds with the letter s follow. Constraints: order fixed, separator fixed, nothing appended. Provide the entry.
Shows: 7h10
